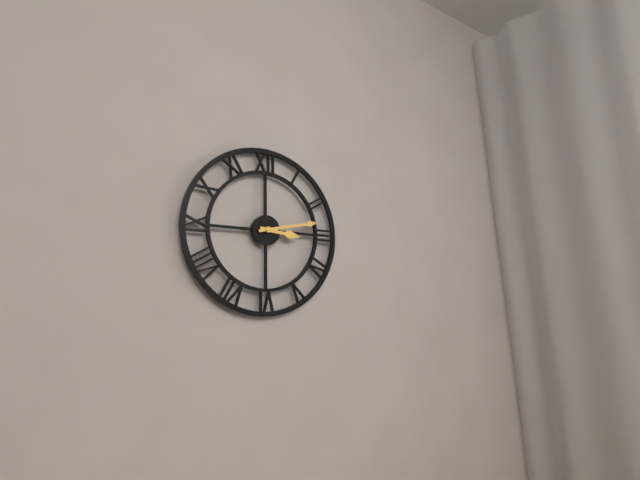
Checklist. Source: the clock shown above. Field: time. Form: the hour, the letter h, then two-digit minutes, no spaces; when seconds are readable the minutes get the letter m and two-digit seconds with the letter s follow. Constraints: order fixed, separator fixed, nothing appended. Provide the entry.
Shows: 3h13
